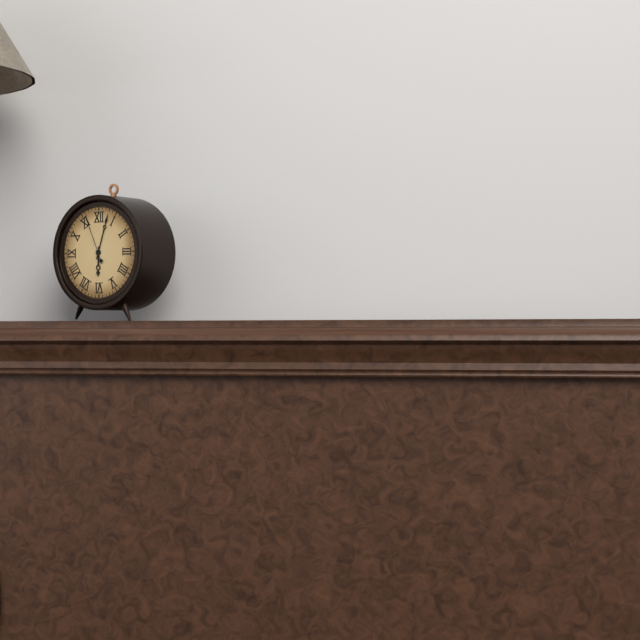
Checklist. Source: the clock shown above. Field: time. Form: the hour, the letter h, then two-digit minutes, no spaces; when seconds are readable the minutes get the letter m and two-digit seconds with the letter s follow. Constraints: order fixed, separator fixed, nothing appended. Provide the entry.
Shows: 6h03
